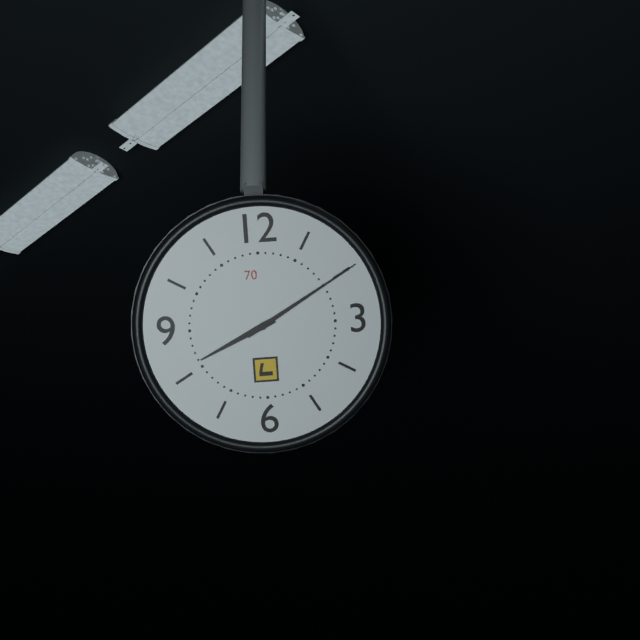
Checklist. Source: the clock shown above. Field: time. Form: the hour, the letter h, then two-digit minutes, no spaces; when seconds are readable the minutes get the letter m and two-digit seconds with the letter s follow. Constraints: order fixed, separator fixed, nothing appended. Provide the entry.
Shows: 8h10
